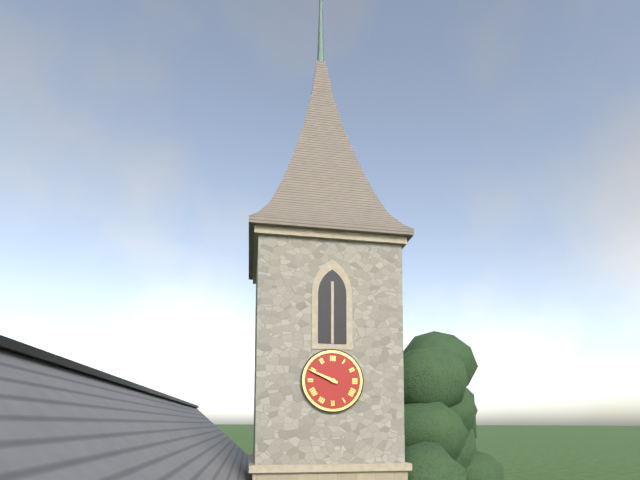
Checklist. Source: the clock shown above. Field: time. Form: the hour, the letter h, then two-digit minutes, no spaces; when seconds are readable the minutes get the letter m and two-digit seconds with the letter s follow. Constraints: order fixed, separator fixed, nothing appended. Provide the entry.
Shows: 9h49
